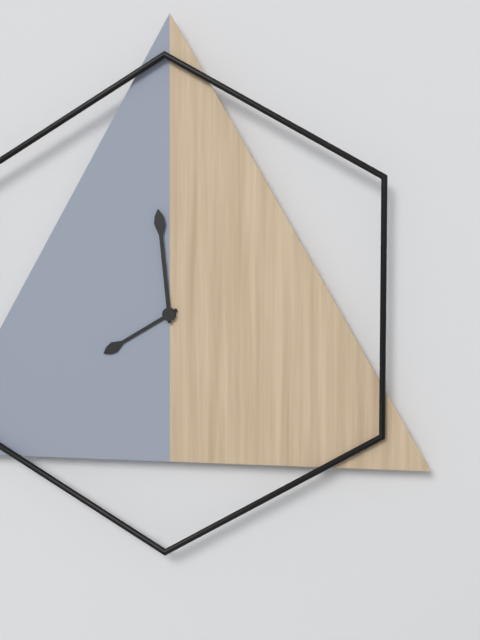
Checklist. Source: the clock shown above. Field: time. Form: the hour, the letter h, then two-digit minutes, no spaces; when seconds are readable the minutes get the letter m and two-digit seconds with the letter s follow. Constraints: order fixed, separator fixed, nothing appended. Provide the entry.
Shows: 7h59
